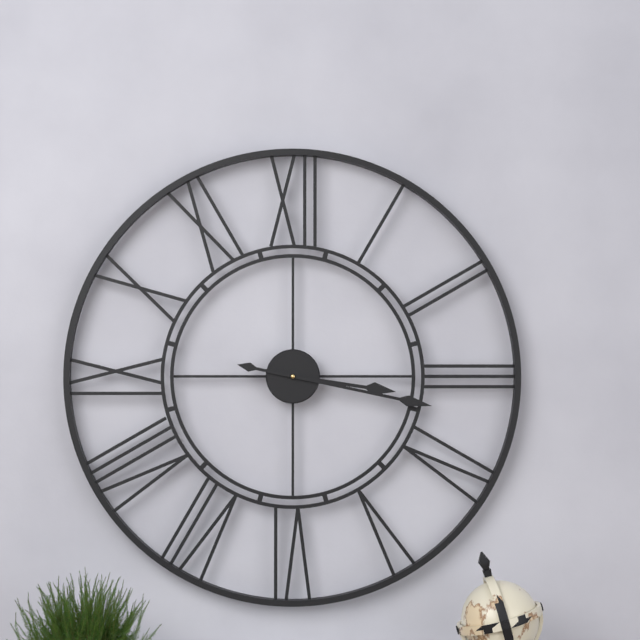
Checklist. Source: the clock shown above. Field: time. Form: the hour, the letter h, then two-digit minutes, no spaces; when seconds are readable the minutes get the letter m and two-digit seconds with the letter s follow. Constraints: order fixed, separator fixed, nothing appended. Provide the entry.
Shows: 3h17
